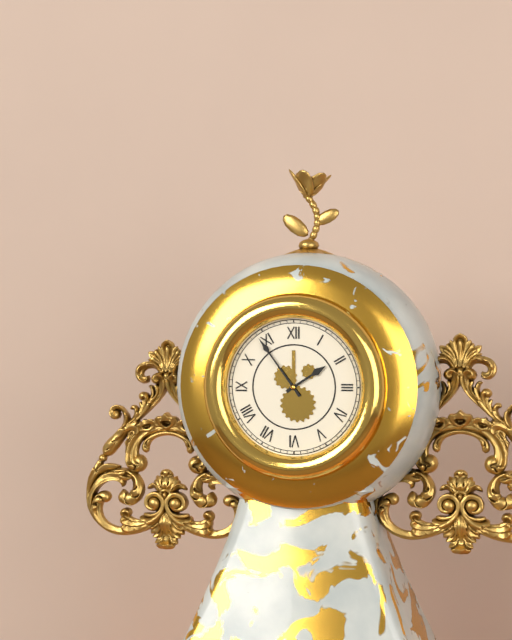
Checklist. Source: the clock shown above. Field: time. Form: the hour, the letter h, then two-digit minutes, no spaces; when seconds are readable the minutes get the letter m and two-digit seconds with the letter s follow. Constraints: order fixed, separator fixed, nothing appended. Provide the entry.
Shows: 1h54
